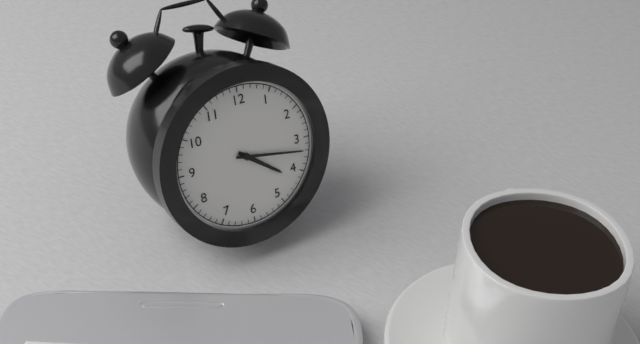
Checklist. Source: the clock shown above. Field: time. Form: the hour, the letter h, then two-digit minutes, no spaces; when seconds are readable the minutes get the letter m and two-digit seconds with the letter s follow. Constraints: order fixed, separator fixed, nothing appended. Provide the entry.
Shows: 4h17
